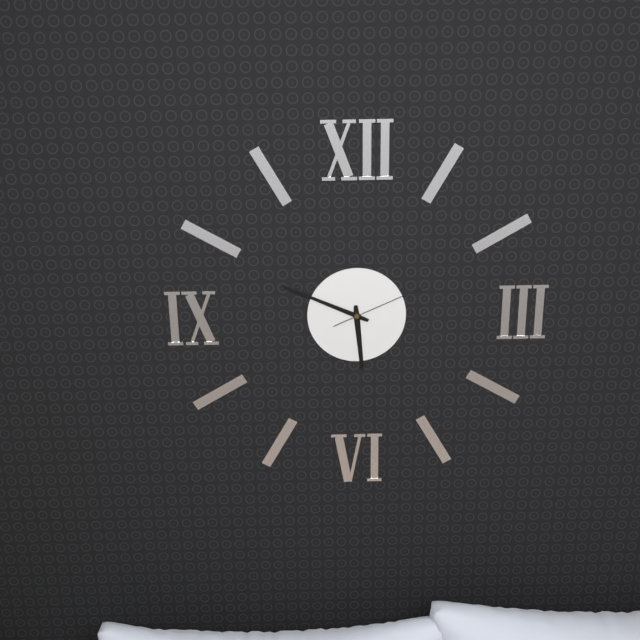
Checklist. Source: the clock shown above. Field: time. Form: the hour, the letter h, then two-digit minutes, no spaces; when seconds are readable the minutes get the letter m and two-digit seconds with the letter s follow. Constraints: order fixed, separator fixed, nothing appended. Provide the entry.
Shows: 5h49m11s
